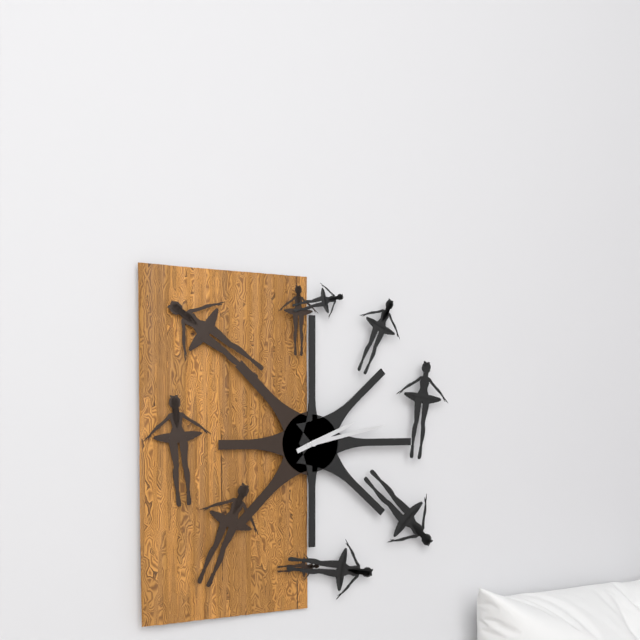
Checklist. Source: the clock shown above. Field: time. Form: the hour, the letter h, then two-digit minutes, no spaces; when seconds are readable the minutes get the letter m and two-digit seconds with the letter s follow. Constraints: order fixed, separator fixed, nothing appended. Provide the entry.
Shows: 2h13
